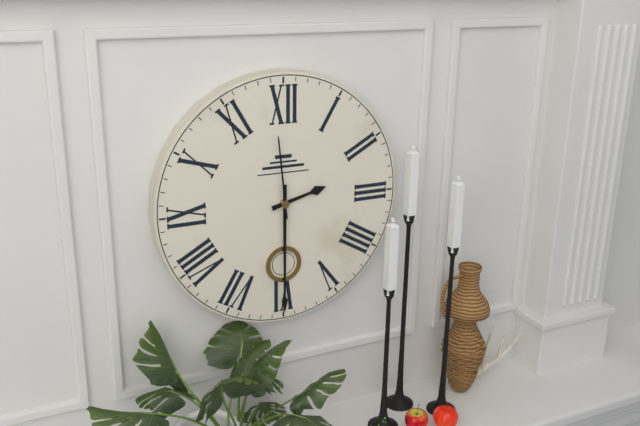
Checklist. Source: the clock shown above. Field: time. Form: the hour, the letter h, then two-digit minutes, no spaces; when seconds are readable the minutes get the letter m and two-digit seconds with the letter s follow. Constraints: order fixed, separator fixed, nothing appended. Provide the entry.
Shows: 2h30m59s
